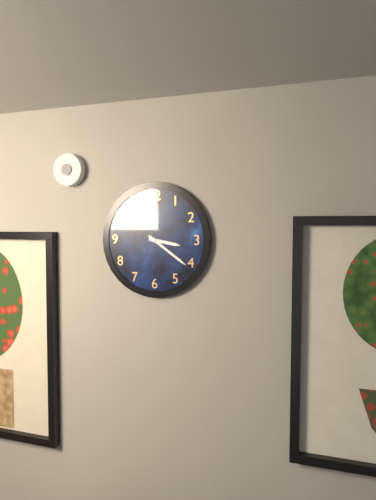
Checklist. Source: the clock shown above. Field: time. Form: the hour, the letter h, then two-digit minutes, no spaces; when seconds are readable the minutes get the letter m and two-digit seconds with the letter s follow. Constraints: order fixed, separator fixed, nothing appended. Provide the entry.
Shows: 3h21
